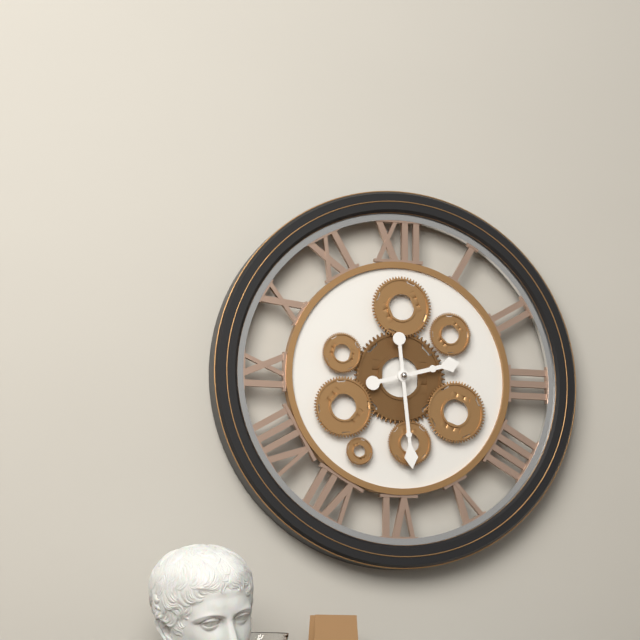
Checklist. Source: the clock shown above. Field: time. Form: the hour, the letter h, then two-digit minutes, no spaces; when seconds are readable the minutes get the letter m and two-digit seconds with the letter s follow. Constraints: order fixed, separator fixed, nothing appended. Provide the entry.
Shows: 2h29
